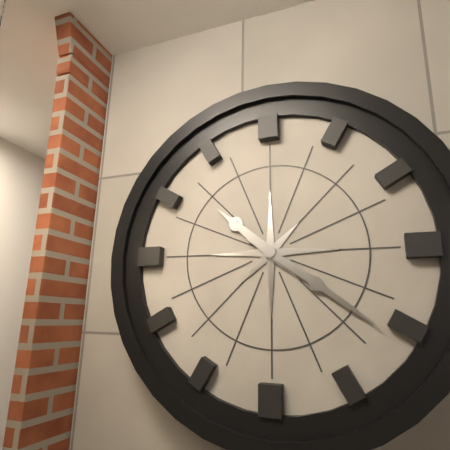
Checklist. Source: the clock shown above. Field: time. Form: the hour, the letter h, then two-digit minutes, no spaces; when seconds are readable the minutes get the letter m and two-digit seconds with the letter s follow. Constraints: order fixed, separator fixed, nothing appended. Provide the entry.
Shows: 10h21
